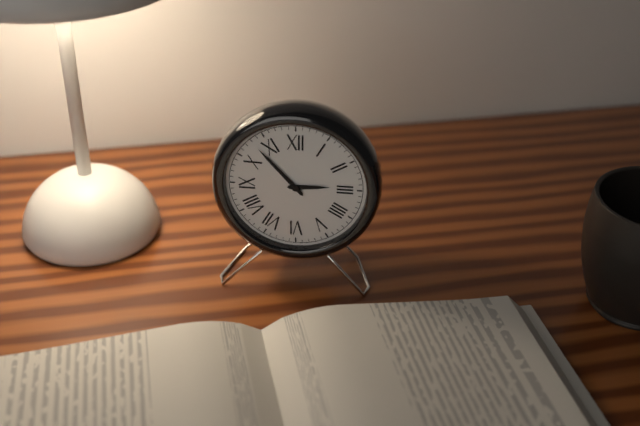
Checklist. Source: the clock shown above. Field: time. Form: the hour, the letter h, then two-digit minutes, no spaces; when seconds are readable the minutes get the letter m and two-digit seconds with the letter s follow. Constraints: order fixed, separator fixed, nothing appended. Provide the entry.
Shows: 2h53
